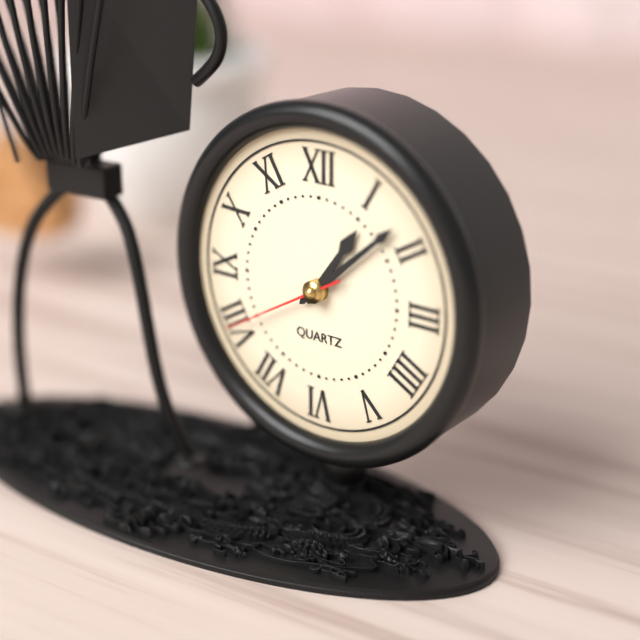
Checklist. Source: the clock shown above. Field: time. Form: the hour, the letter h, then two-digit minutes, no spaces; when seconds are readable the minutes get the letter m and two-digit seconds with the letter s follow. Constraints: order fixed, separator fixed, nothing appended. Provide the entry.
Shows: 1h08m40s
